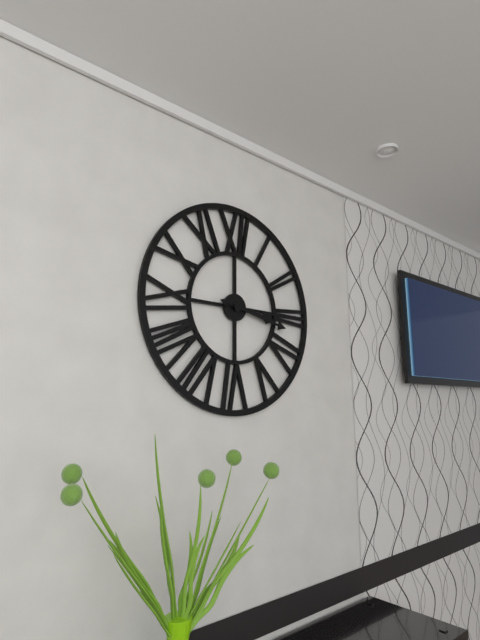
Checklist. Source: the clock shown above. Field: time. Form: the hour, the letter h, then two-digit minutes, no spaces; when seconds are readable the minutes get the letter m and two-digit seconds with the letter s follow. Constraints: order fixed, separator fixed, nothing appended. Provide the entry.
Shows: 3h17
